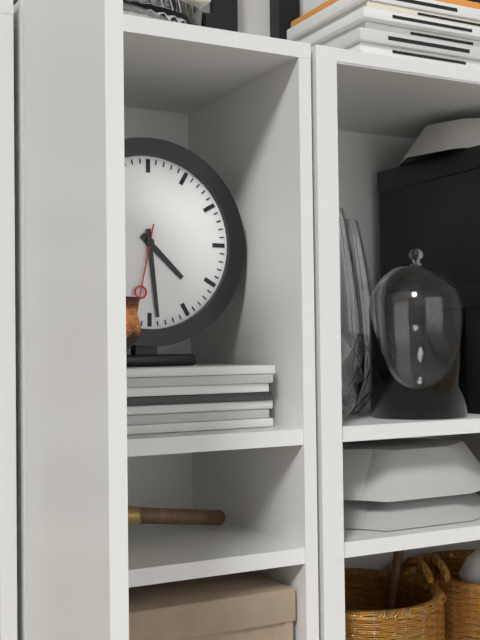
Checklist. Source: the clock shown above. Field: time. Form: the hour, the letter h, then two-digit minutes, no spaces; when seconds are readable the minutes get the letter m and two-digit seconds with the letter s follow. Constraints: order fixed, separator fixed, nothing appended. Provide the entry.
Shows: 4h29m32s
